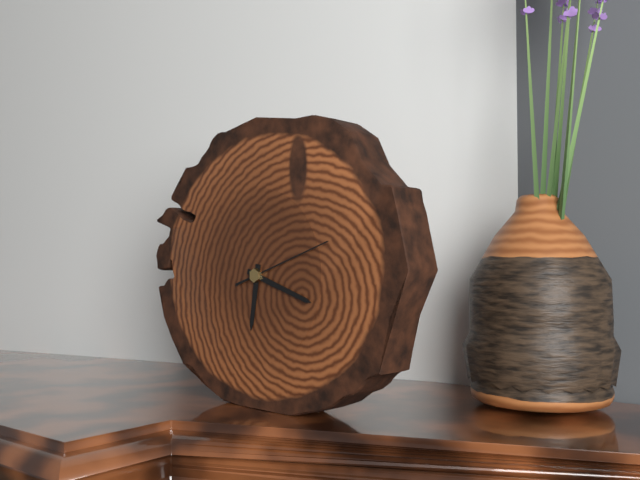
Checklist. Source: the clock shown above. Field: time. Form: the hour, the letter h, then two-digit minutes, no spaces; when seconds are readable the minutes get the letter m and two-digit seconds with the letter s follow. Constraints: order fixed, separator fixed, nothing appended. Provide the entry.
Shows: 6h18m12s
